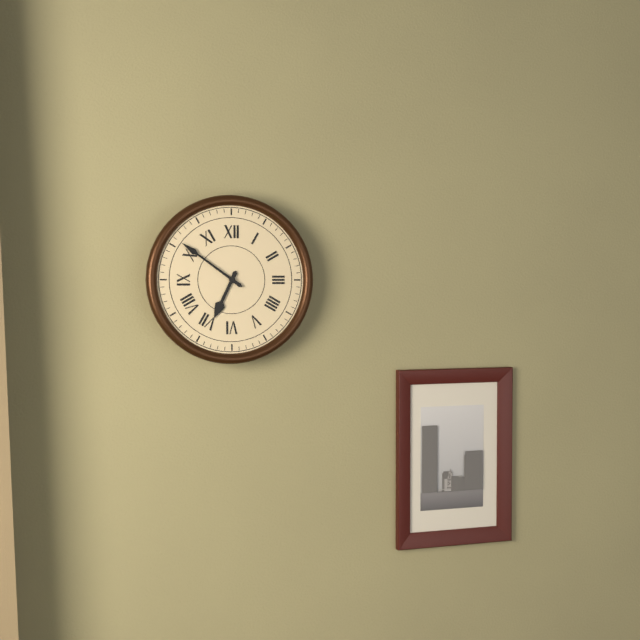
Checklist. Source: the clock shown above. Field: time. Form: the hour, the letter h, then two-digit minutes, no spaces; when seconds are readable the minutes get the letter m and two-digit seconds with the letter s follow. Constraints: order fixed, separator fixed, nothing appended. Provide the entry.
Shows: 6h51
